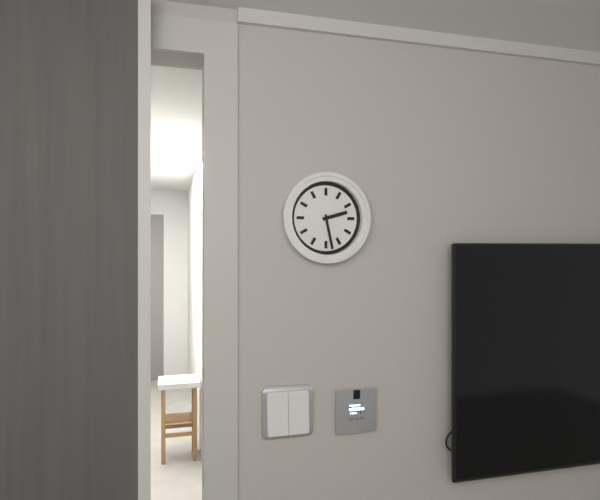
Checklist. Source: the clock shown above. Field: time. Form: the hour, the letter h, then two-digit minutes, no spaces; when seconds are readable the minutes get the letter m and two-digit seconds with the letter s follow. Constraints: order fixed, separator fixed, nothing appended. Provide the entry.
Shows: 2h28
